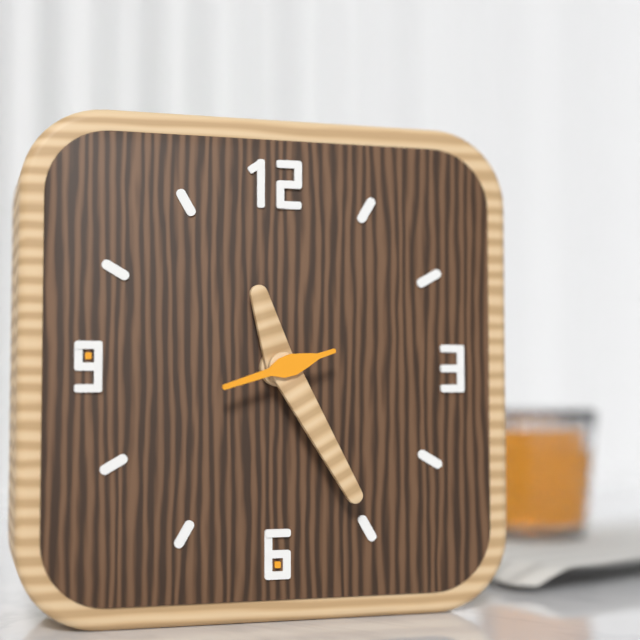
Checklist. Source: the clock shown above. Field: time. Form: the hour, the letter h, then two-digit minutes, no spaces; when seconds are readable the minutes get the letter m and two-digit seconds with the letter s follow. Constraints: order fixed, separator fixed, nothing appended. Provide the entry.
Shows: 11h25m42s
